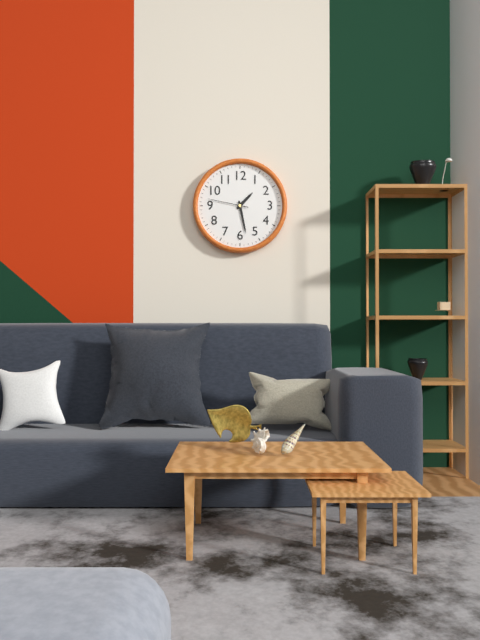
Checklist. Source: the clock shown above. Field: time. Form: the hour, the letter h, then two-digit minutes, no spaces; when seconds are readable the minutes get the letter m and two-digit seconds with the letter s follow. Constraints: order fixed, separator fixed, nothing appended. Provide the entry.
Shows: 1h28
